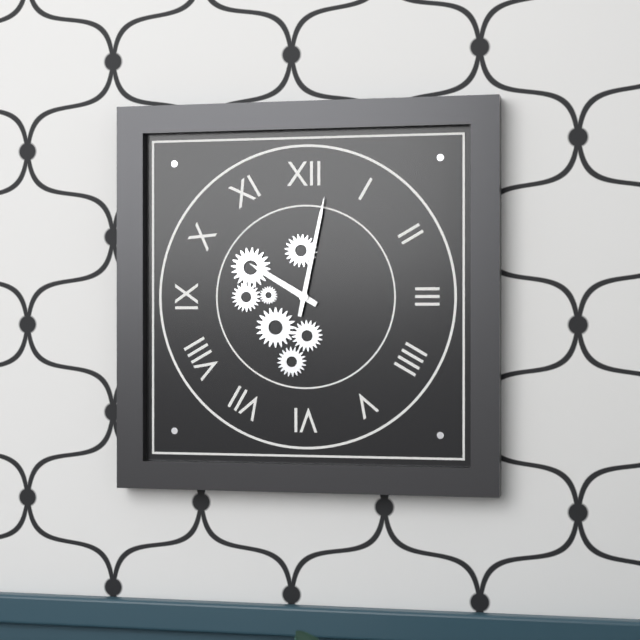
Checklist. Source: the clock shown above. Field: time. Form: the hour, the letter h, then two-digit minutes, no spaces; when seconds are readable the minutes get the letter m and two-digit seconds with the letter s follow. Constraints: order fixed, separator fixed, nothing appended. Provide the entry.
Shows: 10h02
